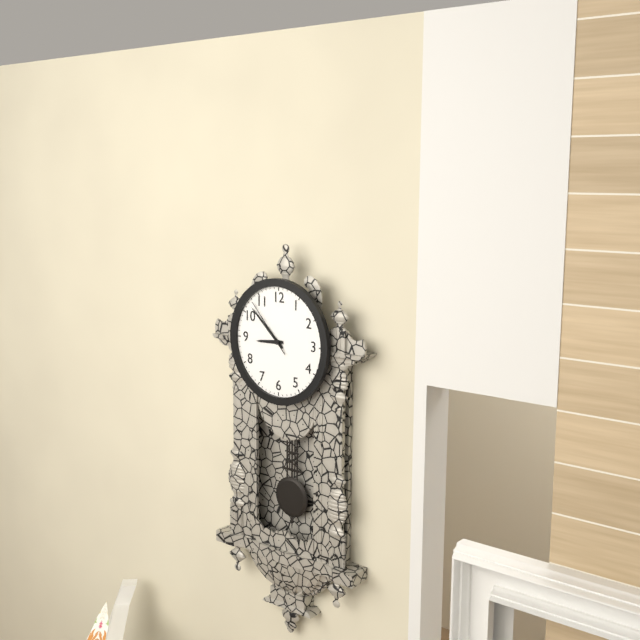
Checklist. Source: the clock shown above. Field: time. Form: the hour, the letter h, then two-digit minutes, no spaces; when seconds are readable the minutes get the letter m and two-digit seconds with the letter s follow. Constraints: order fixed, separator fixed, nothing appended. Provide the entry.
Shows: 8h52m53s
